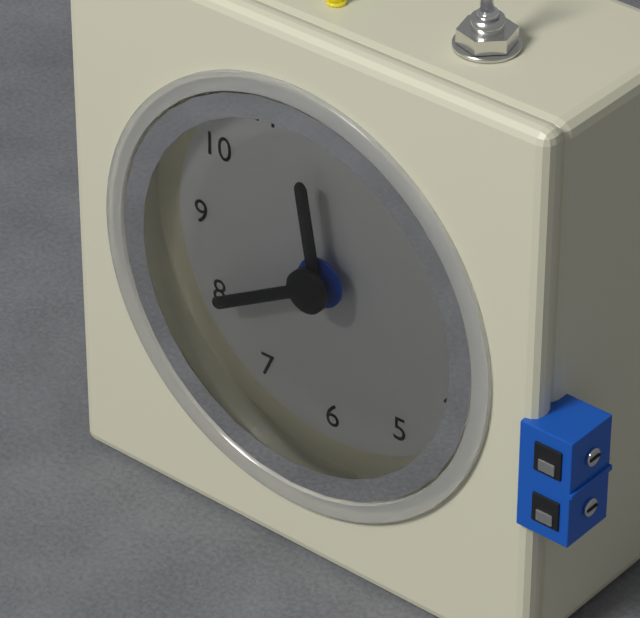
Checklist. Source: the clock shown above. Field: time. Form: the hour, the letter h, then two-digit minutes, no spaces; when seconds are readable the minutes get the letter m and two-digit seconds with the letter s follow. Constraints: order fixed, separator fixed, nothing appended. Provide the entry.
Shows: 11h40m40s
